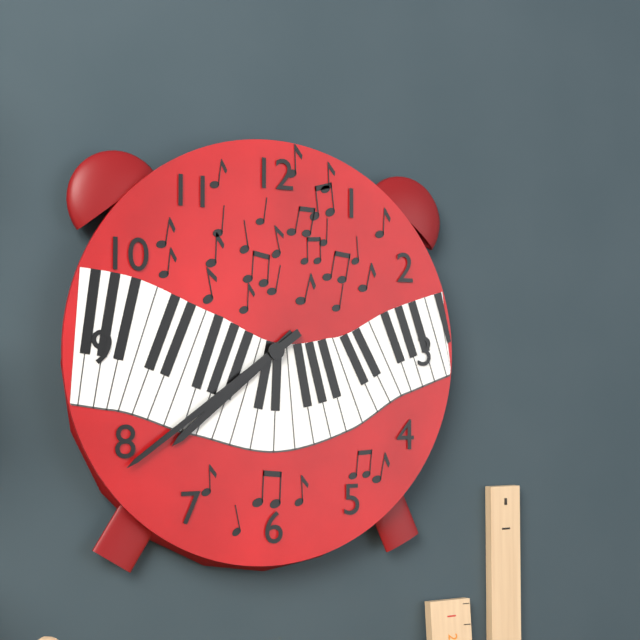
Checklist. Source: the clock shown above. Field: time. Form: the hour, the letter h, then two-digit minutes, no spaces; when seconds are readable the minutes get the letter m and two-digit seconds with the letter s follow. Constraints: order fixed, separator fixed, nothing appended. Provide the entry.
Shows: 7h39
